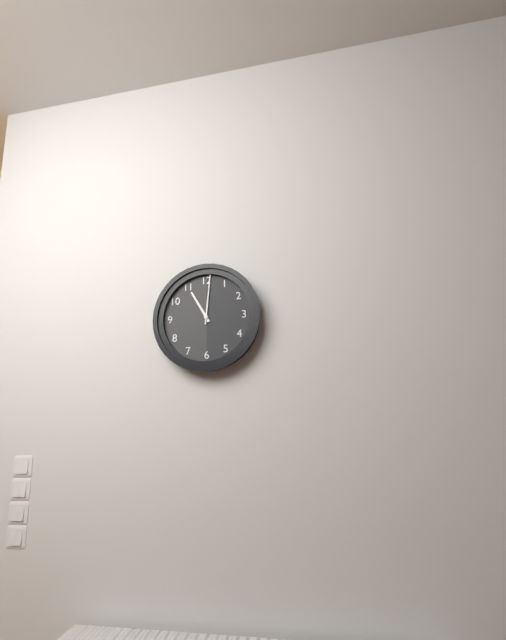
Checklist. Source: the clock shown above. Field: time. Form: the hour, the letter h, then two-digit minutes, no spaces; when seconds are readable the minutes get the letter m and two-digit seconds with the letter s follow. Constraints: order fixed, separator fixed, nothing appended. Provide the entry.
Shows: 11h01
